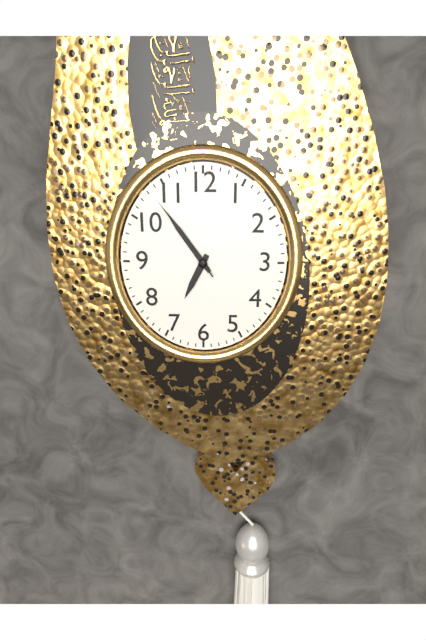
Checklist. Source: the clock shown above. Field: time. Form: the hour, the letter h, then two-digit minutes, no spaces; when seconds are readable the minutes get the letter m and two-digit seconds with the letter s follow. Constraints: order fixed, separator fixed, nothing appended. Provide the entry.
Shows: 6h54m54s
